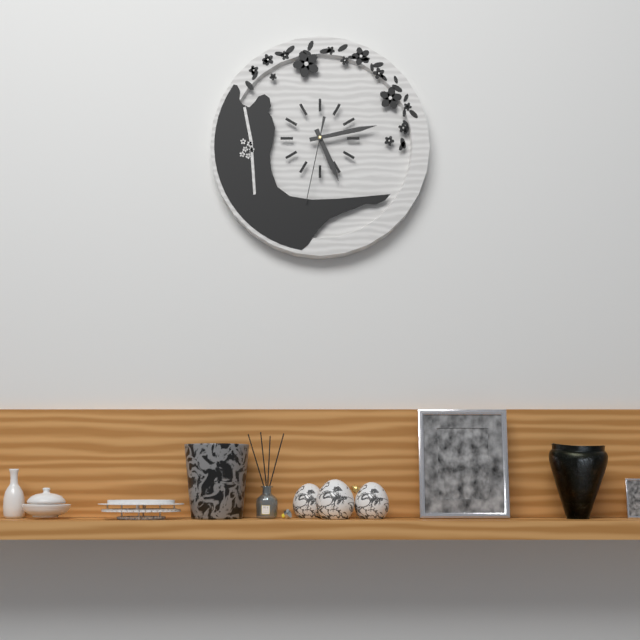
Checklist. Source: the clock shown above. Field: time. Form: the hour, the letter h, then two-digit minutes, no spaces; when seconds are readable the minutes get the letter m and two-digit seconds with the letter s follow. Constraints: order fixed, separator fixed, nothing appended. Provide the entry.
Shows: 5h13m32s
